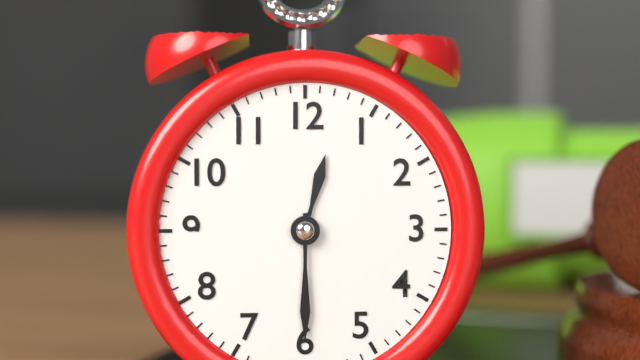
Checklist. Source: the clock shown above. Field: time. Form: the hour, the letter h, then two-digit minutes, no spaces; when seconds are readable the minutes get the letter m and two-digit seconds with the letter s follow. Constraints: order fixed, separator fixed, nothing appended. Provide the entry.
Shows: 12h30
